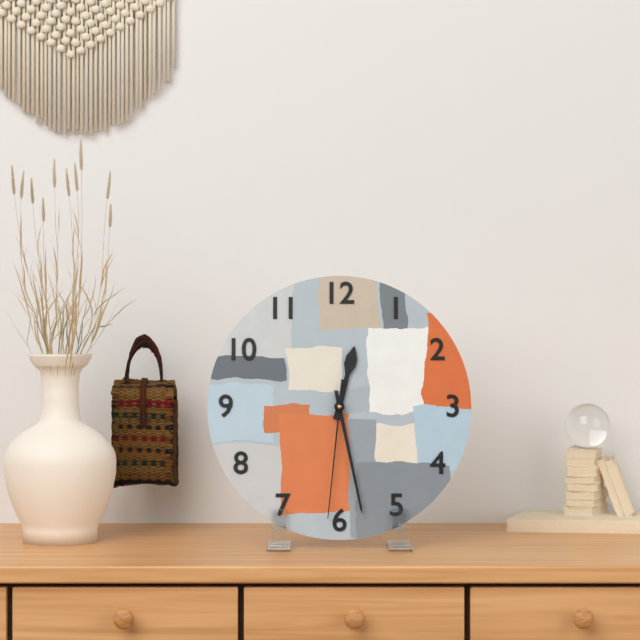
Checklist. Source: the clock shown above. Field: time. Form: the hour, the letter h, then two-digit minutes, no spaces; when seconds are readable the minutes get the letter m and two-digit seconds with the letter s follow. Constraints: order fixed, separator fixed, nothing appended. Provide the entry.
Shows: 12h28m31s
